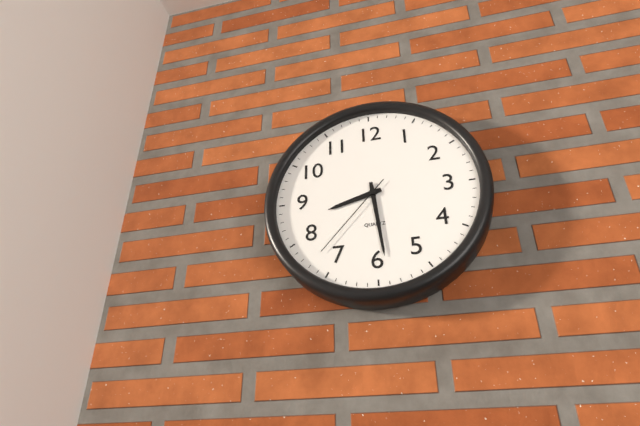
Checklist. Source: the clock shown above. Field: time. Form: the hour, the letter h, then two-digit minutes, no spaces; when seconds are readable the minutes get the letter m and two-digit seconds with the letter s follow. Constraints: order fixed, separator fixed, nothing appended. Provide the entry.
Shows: 8h29m37s
